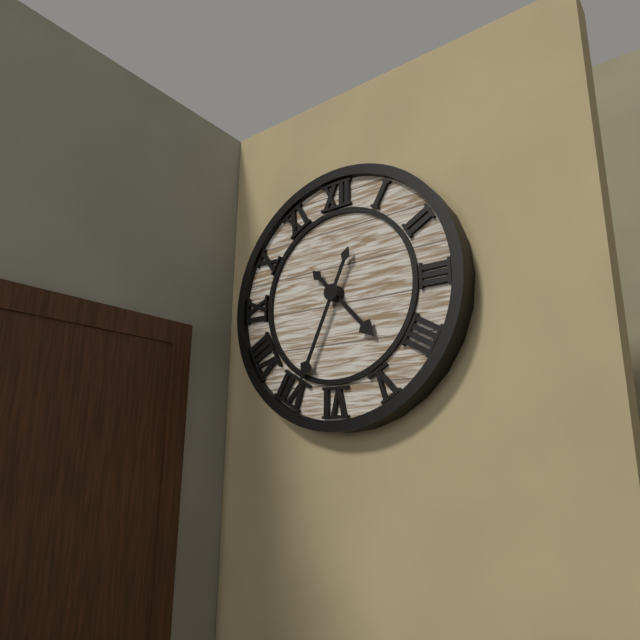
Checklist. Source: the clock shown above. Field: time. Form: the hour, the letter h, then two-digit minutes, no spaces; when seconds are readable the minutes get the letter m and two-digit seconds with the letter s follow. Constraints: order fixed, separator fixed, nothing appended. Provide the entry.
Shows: 4h34
